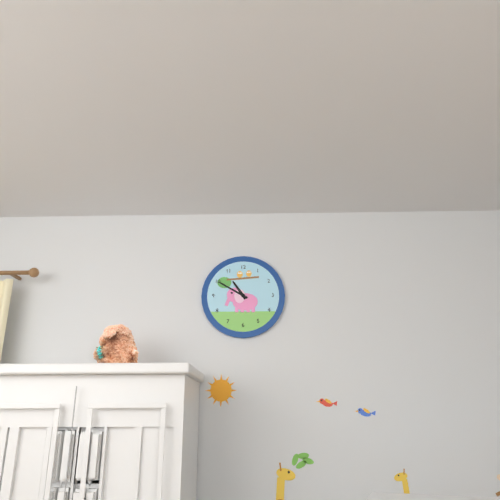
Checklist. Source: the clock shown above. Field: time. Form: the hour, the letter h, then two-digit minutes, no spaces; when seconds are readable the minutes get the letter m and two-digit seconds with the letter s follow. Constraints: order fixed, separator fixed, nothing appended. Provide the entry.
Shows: 10h50
